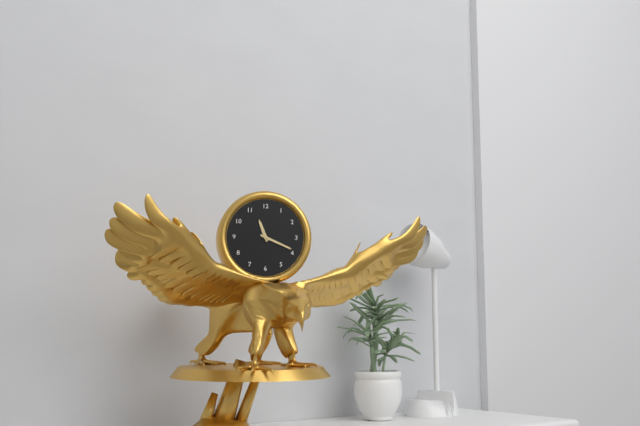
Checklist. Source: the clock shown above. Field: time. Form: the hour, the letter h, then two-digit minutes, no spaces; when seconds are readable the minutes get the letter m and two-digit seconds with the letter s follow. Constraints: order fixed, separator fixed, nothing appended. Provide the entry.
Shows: 11h19
